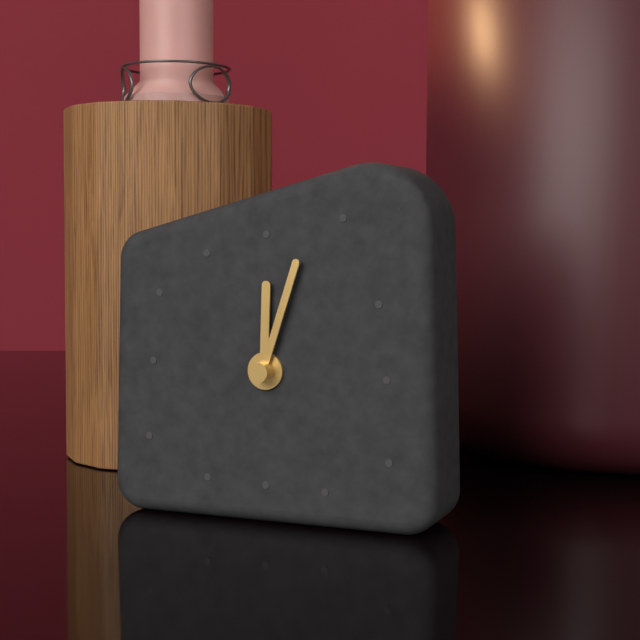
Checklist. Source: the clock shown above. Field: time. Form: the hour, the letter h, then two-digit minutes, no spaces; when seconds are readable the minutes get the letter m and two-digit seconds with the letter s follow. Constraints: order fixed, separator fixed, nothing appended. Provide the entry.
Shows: 12h03
